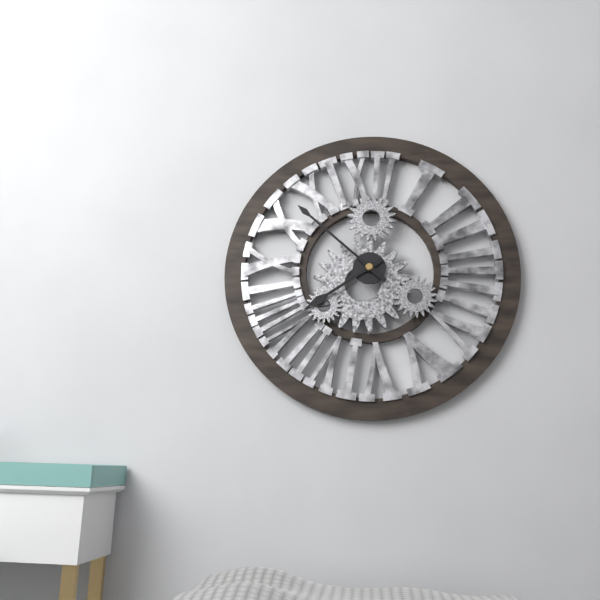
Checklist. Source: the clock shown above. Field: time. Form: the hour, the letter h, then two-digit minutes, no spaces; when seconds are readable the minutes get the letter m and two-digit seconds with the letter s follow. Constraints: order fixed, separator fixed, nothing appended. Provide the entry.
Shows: 7h52
